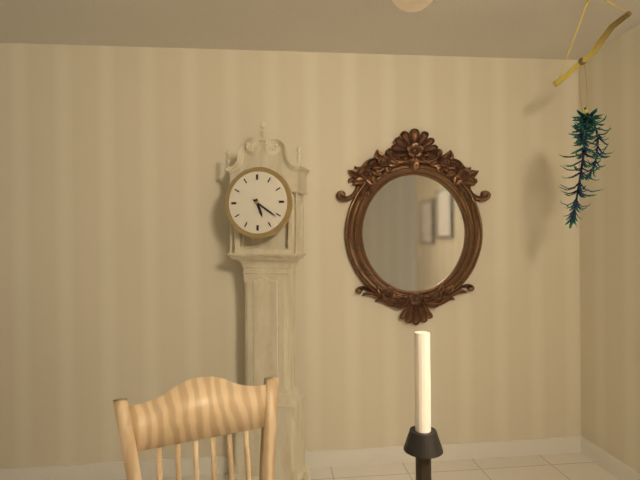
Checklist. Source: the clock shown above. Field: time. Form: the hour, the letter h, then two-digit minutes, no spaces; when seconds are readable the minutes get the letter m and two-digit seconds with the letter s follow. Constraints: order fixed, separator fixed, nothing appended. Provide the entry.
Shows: 5h21
